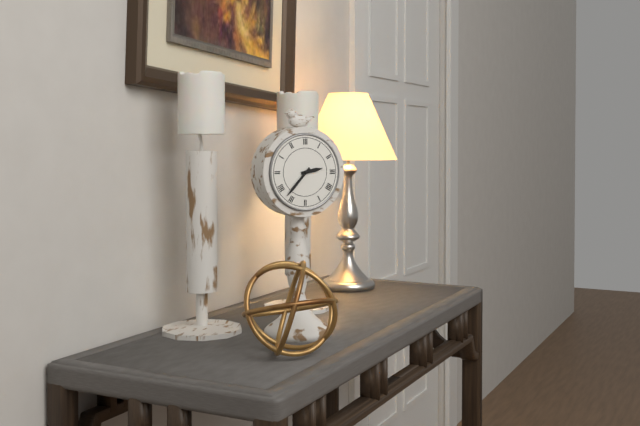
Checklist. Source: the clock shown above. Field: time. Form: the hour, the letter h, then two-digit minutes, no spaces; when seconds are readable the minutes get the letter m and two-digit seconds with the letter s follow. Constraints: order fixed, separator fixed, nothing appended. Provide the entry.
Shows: 2h37
